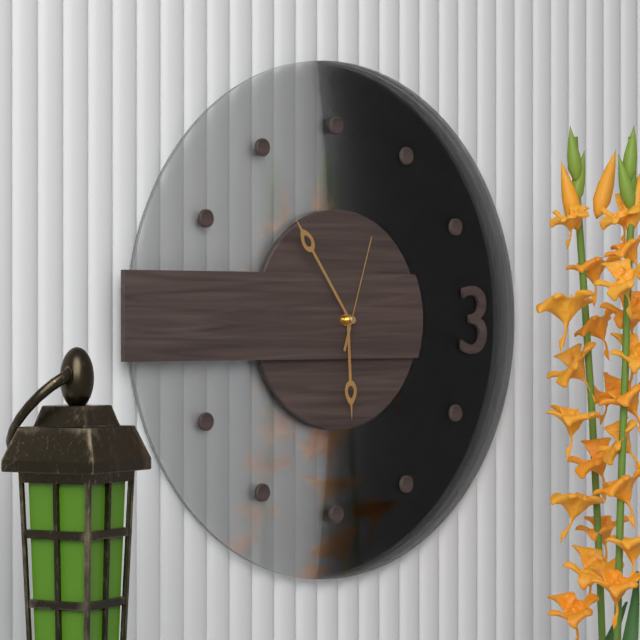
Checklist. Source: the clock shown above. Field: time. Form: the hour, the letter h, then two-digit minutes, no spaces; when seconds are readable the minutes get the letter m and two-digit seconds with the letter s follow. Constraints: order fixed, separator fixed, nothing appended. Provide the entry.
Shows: 5h54m03s
